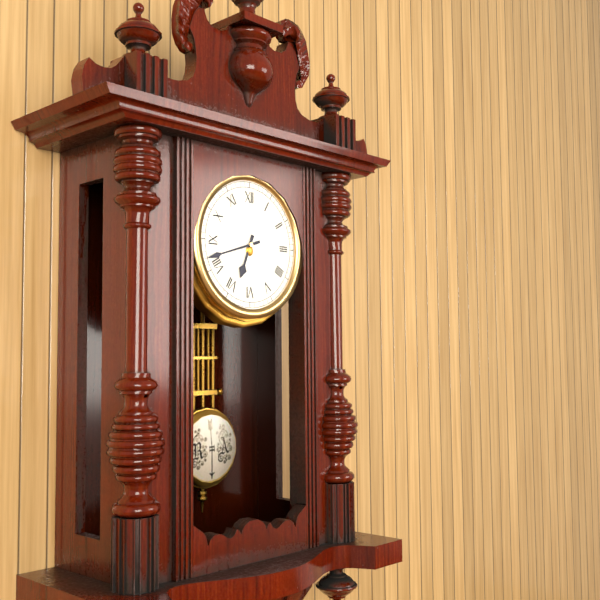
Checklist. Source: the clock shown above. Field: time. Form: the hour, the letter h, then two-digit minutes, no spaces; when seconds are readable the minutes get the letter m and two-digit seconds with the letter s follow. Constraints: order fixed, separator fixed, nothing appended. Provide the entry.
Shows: 6h42
